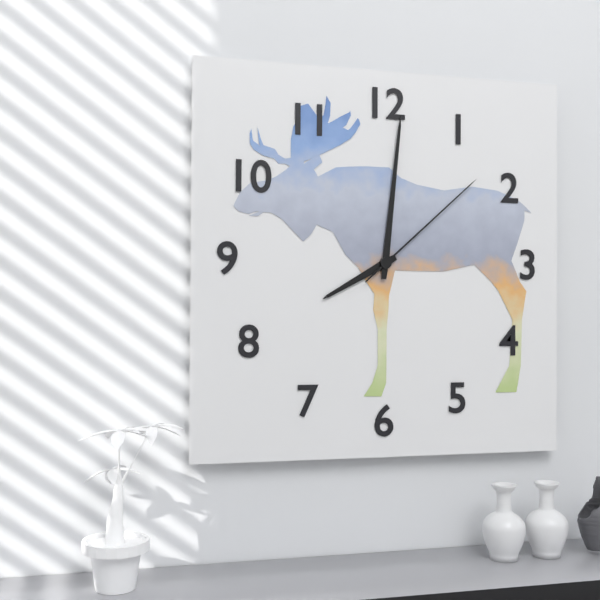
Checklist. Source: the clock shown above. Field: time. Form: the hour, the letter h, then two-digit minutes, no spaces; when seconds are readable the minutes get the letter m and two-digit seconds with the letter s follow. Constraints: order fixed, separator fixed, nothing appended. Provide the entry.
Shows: 8h01m08s
